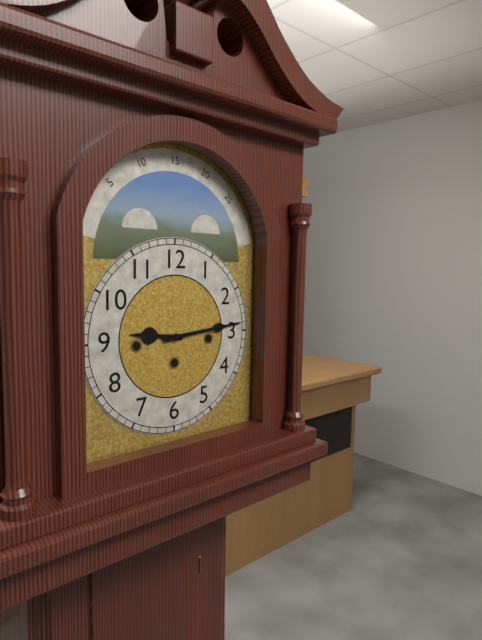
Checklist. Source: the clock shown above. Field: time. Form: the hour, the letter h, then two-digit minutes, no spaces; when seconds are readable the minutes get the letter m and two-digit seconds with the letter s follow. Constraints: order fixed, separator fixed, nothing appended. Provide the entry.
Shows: 9h14
